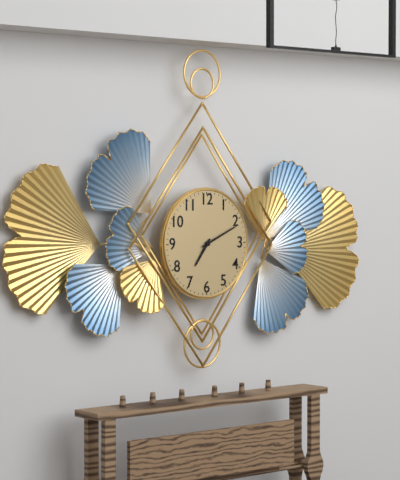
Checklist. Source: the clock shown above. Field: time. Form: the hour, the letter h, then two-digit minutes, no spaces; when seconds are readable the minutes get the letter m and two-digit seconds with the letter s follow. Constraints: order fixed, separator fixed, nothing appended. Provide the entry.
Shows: 7h11
